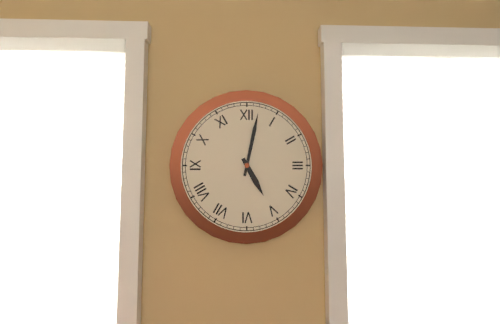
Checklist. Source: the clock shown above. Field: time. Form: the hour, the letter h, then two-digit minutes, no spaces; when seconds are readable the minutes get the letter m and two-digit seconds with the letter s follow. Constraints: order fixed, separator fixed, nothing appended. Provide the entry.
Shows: 5h02
